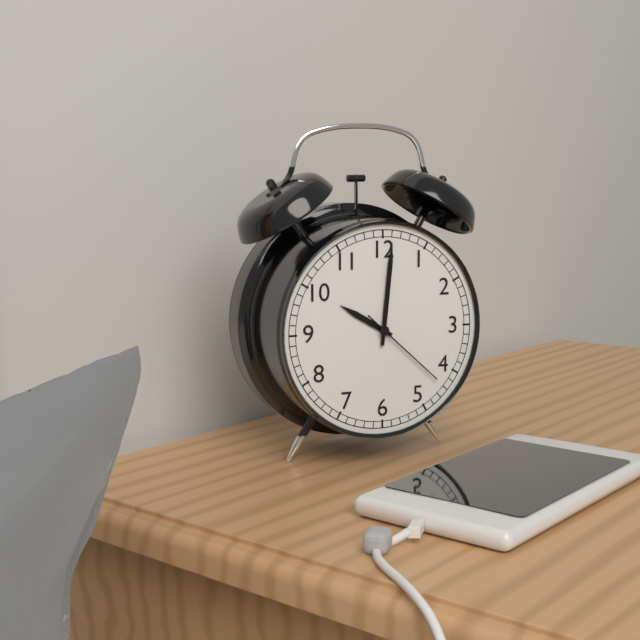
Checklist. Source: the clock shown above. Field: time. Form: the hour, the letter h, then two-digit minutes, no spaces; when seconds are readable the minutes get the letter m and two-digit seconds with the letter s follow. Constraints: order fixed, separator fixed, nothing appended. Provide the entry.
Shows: 10h01m22s
